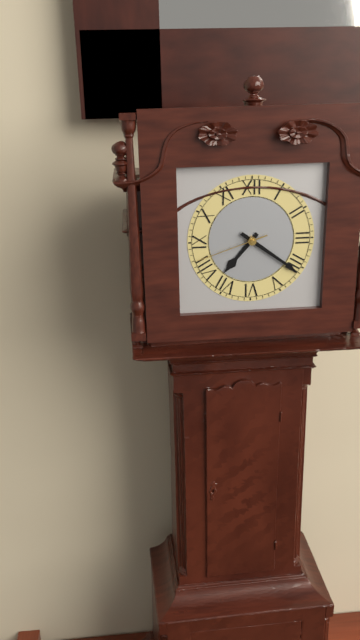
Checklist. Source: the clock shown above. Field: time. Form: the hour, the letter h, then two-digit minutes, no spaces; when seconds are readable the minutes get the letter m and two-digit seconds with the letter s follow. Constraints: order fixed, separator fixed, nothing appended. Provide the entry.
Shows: 7h21m42s
